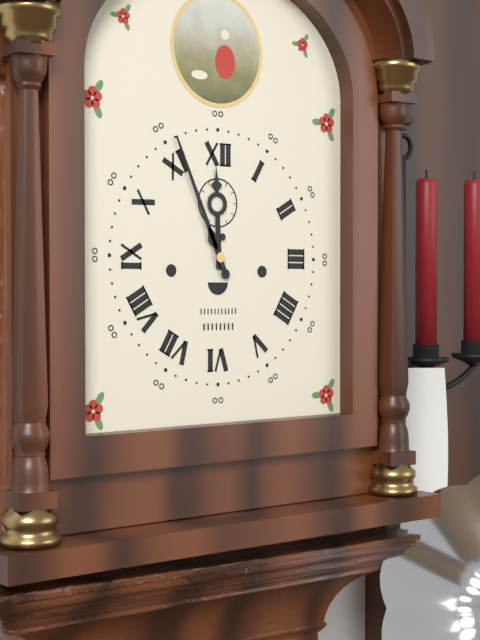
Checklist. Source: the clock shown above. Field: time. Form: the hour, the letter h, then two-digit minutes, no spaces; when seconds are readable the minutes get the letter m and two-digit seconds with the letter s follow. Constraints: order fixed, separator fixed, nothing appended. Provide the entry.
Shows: 11h56
